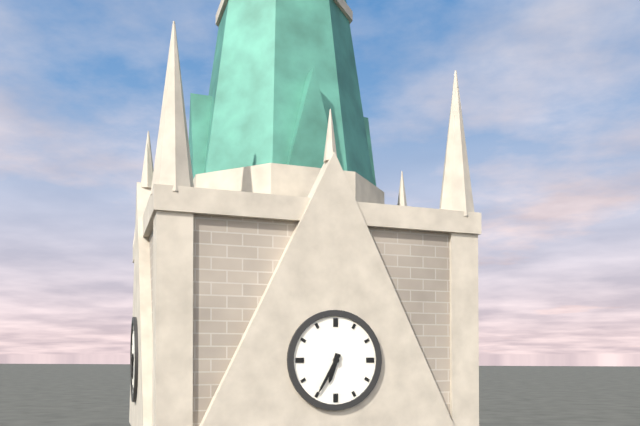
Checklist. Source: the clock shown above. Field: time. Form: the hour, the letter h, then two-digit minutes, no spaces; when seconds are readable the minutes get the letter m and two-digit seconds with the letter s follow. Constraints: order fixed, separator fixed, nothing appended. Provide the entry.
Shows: 6h35
